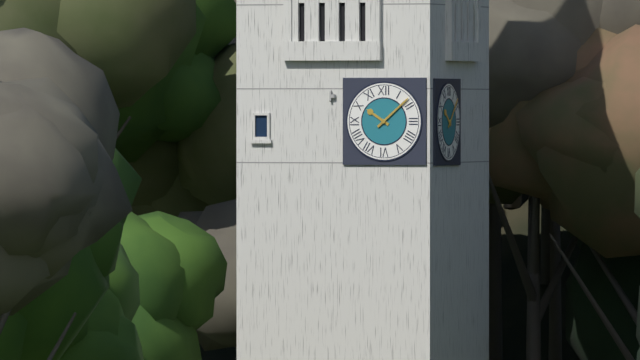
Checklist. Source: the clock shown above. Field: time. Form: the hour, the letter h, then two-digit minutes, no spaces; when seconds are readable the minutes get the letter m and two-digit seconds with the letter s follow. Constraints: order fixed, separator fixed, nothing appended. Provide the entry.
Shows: 10h08
